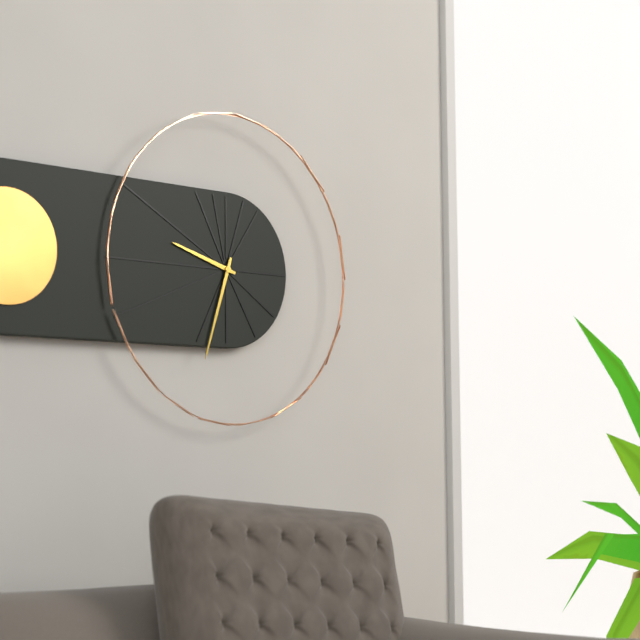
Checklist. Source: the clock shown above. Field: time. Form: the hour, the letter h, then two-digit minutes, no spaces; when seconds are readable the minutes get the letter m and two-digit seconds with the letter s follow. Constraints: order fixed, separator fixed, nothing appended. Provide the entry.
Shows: 9h33
